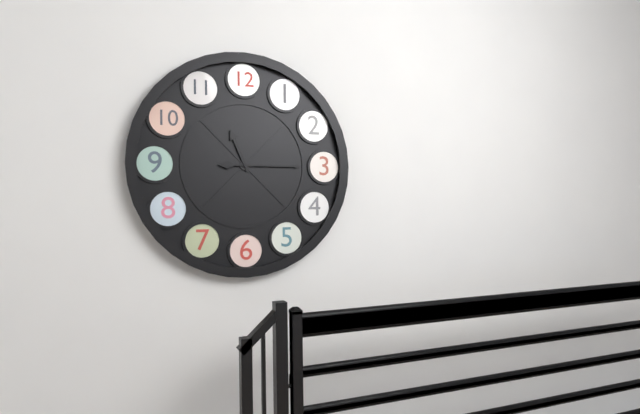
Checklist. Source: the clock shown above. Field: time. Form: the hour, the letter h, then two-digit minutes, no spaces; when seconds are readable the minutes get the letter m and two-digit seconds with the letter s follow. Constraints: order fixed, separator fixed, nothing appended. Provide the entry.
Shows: 11h15
